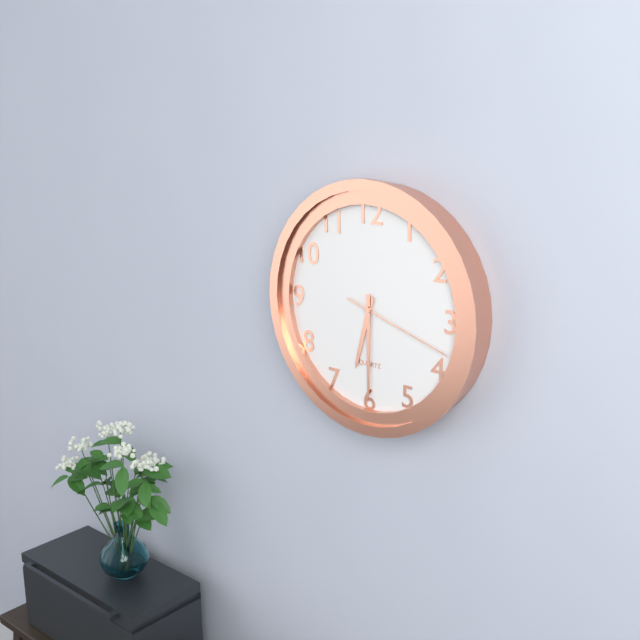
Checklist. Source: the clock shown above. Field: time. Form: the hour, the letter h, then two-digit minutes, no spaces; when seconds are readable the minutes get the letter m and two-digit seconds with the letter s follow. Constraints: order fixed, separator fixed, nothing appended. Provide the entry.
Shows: 6h30m18s
